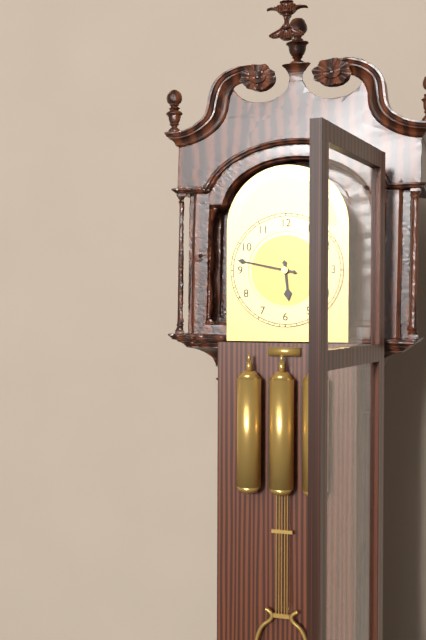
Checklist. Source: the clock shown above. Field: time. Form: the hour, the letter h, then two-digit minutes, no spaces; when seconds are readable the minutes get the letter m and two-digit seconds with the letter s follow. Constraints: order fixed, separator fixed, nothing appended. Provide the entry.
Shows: 5h47
